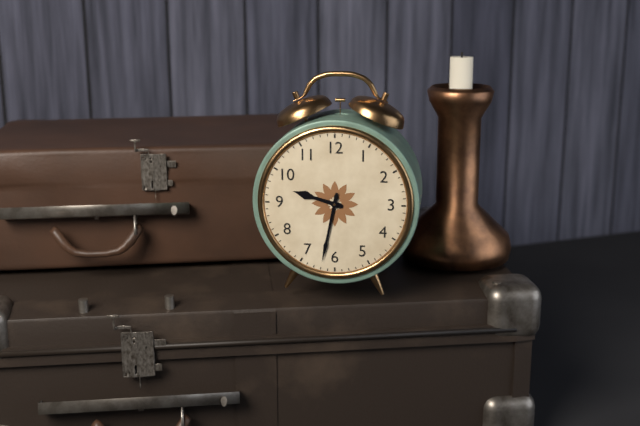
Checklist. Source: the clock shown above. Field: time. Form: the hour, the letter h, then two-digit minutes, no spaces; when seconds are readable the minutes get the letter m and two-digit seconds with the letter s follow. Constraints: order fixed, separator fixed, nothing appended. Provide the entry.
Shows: 9h32
